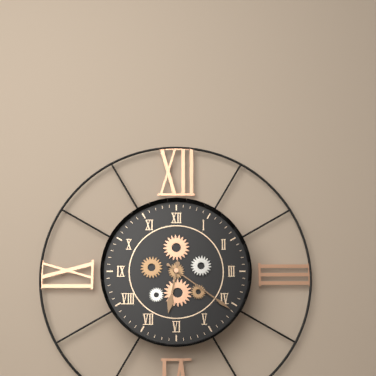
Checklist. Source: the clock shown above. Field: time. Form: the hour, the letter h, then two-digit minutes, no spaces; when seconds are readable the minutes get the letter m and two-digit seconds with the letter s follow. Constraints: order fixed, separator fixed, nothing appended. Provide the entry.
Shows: 6h21
